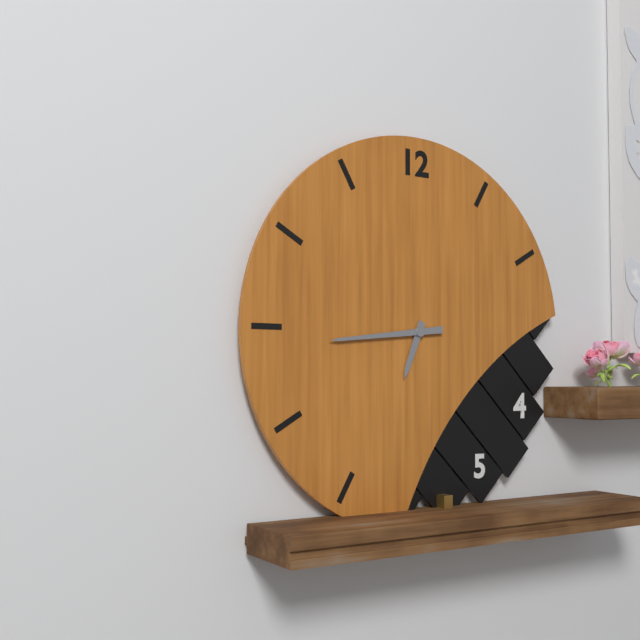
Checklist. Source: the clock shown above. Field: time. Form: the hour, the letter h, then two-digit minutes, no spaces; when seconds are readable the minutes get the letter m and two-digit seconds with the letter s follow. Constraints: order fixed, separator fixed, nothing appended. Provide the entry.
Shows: 6h44
